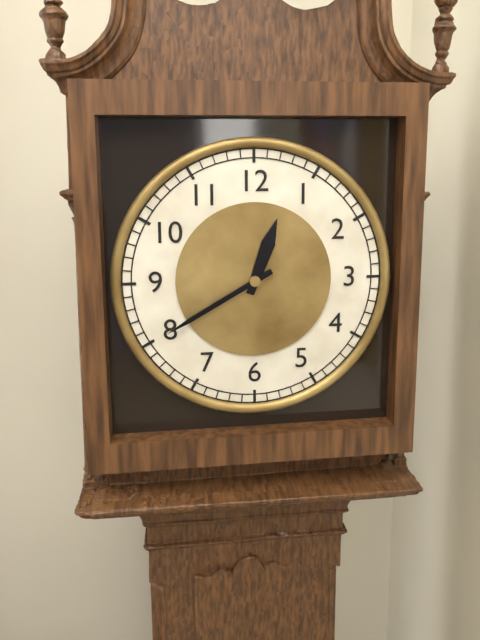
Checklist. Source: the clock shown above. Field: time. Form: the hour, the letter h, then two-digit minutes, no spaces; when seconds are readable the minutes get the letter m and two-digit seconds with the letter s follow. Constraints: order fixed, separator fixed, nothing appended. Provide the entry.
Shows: 12h40
